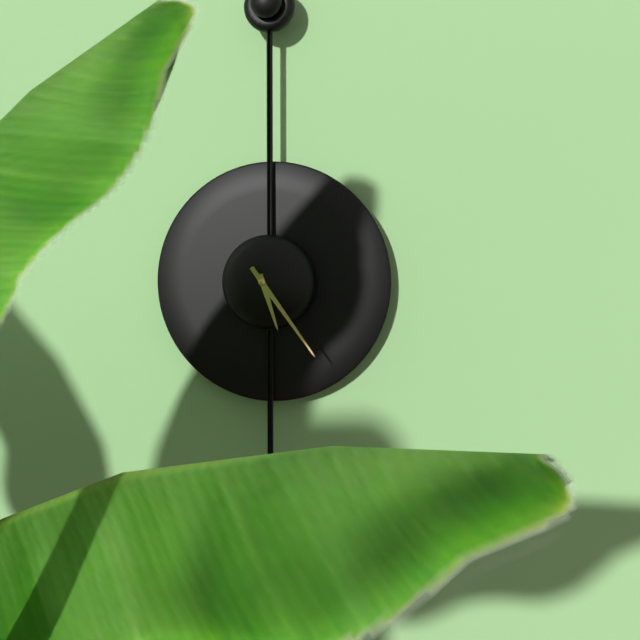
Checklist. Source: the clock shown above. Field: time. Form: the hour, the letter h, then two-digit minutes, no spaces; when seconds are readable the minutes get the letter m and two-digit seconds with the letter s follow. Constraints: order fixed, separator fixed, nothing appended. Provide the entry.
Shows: 5h24
